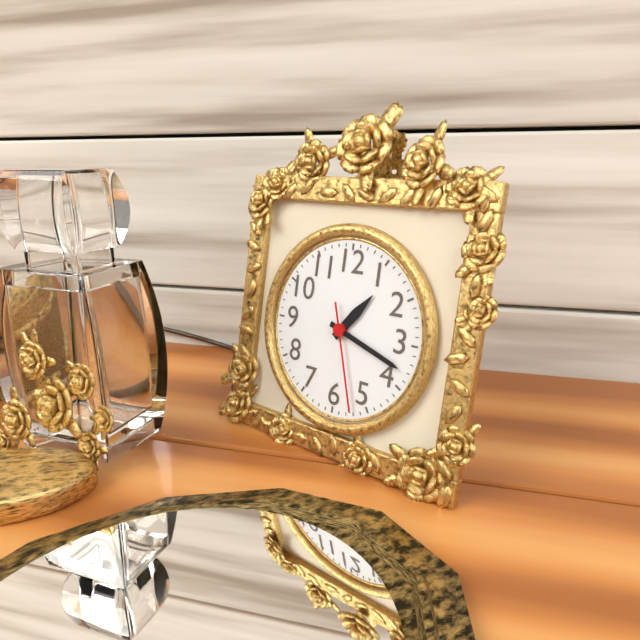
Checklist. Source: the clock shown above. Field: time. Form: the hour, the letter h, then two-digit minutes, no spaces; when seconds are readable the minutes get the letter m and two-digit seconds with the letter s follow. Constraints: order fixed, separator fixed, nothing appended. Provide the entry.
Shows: 1h18m27s
